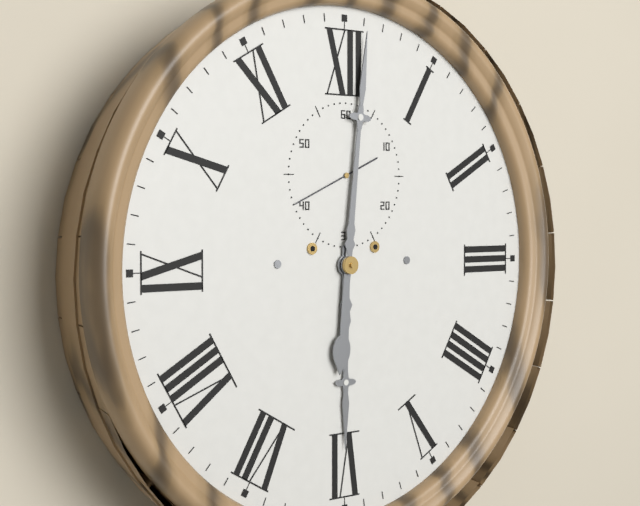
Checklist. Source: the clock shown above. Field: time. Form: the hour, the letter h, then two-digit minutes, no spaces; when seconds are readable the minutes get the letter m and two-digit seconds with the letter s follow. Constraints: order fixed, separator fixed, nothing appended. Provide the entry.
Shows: 6h01m41s
